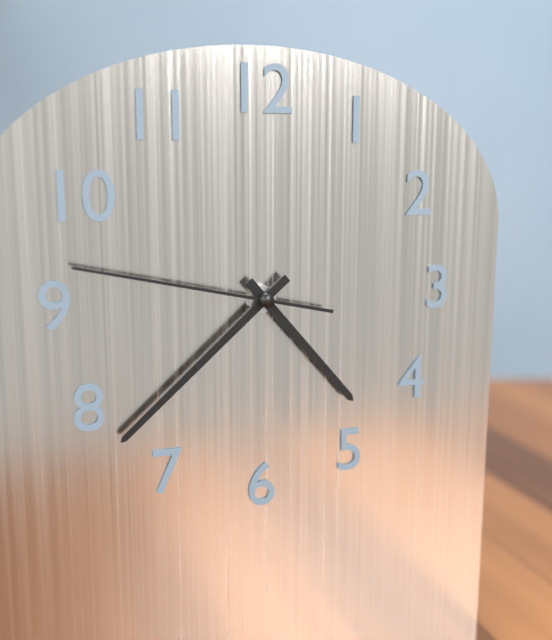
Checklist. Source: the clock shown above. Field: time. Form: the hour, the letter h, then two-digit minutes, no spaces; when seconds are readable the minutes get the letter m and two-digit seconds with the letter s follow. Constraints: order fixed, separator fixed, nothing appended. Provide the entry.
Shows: 4h38m47s
